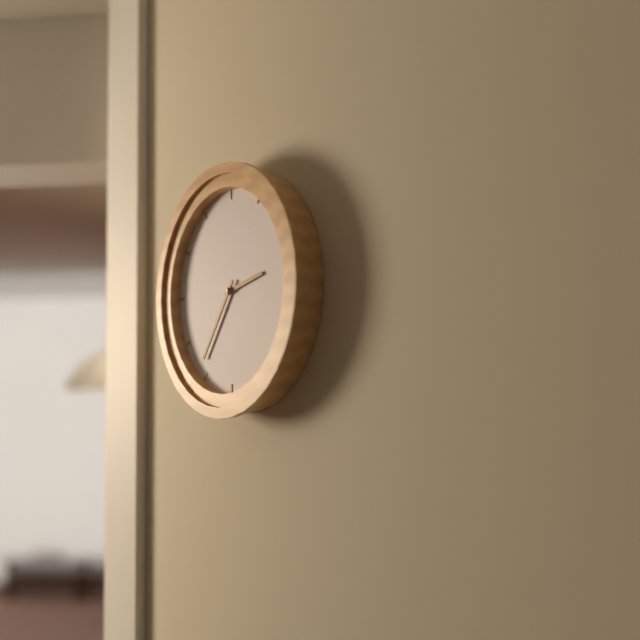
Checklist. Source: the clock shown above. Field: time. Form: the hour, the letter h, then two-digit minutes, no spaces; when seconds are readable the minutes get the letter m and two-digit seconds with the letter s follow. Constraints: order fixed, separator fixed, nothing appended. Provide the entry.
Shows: 2h36
